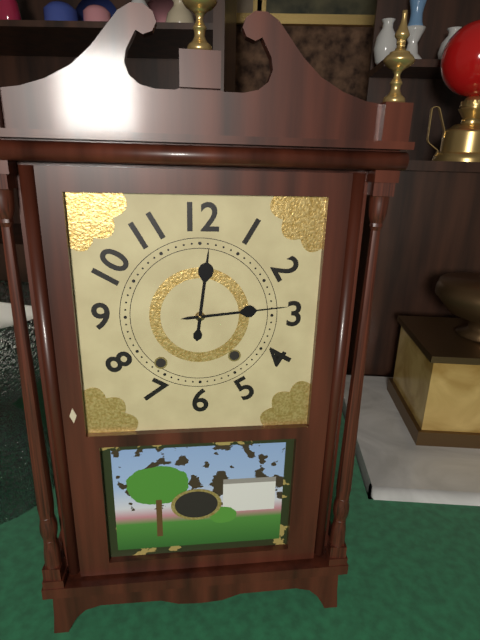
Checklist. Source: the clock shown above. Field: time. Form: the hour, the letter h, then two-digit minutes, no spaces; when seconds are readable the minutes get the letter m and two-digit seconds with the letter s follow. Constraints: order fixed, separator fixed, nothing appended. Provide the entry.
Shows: 12h14
